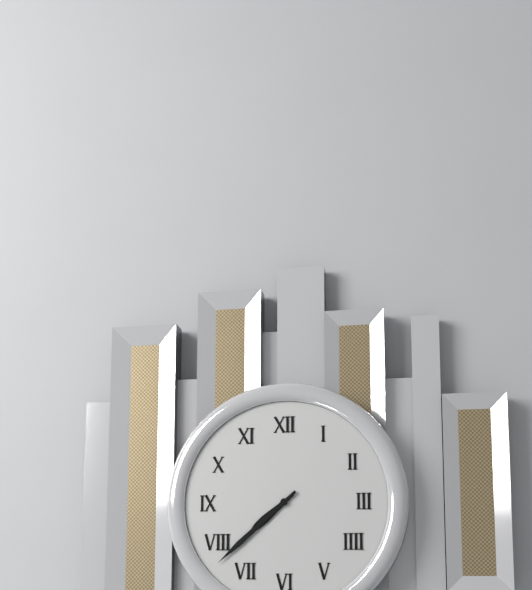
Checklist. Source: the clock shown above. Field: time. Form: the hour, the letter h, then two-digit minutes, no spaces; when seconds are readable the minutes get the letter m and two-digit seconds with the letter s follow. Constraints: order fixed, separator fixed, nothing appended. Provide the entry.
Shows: 7h38
